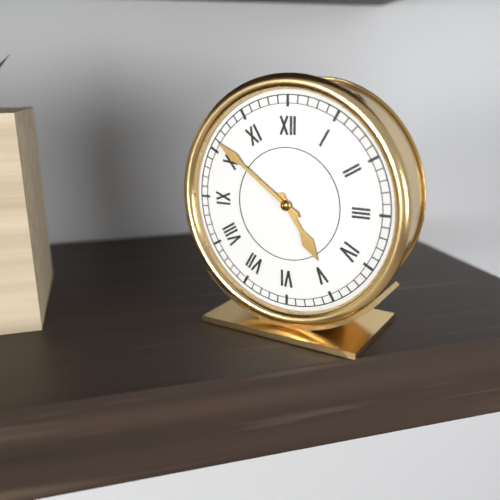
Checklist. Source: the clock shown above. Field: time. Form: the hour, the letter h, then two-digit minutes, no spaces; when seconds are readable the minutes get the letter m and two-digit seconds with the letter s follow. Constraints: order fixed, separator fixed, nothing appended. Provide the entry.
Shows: 4h51
